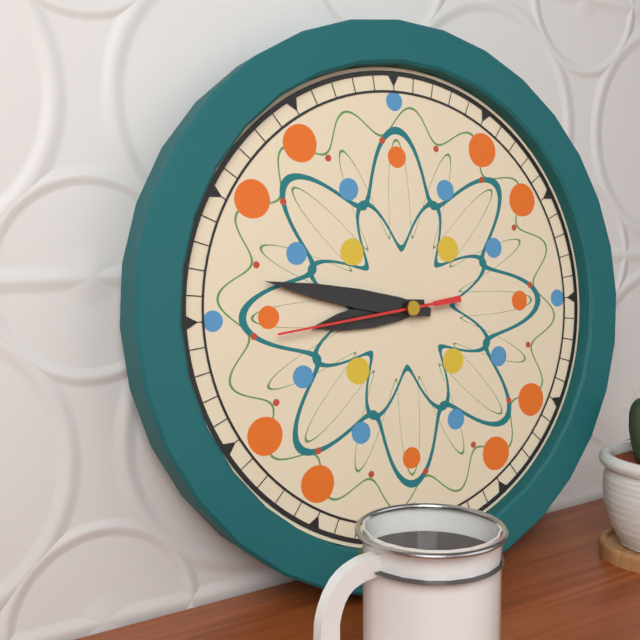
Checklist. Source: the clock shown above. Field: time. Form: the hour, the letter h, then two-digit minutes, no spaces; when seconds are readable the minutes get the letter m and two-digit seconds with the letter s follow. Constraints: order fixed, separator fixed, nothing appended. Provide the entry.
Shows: 8h47m44s
